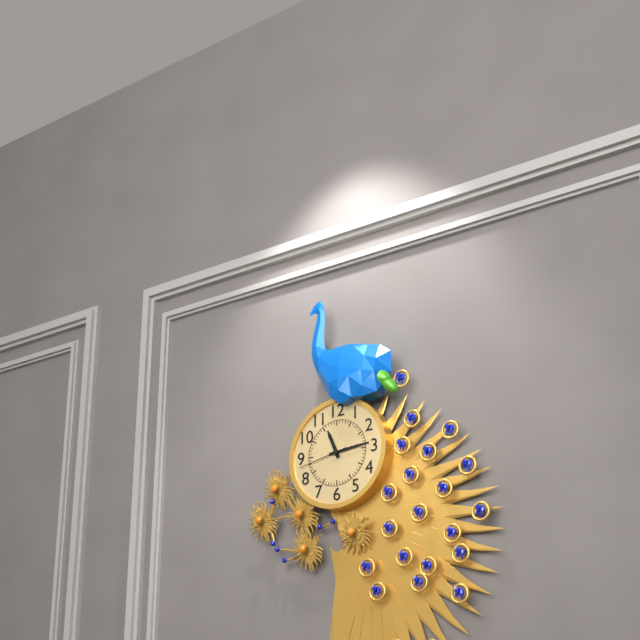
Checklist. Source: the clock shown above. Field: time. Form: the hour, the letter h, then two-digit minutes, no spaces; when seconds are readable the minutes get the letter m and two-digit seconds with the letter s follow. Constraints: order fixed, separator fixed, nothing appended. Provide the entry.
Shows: 11h14m43s
